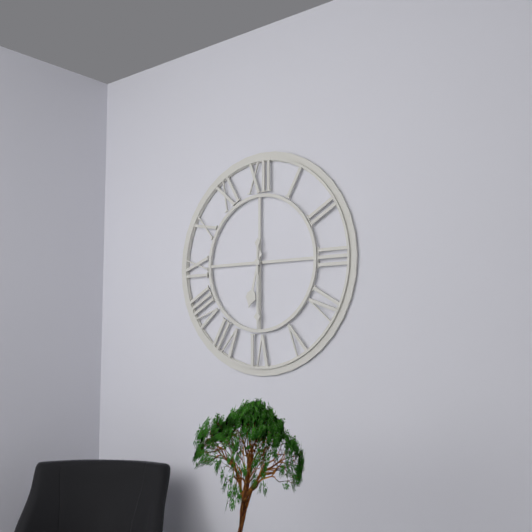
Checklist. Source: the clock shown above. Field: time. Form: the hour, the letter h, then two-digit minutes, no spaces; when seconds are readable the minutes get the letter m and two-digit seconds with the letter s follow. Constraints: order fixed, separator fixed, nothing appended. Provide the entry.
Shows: 6h30
